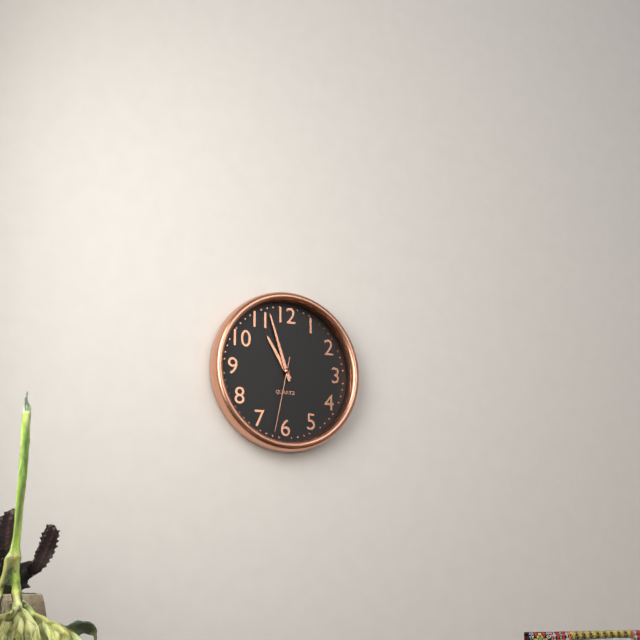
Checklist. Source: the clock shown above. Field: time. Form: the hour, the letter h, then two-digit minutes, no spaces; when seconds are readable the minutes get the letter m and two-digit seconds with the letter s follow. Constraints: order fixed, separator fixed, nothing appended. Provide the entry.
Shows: 10h57m32s
